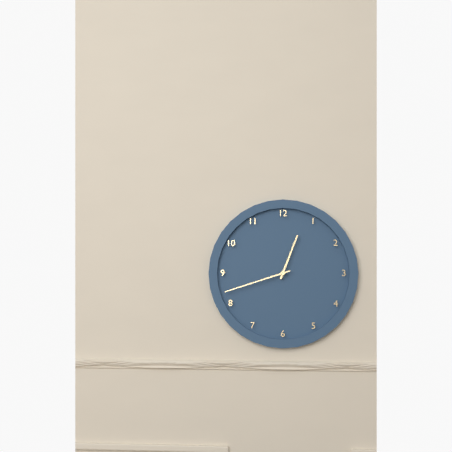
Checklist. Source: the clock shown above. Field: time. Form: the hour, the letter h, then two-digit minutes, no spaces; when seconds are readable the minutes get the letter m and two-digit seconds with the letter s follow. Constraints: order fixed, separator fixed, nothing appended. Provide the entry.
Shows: 12h42
